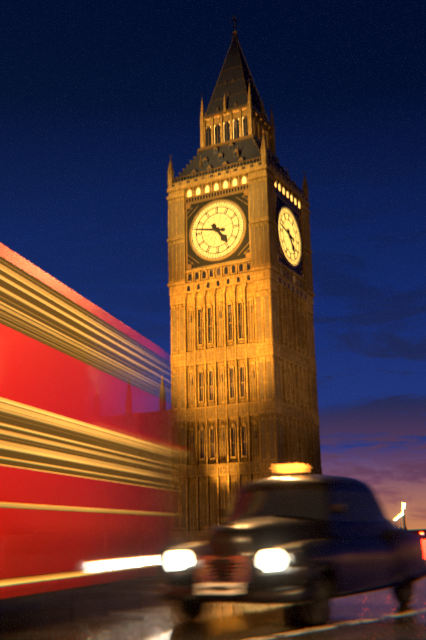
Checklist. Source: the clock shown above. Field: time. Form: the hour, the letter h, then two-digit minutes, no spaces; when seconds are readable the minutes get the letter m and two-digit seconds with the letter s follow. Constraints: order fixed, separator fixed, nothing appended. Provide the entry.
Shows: 4h47
